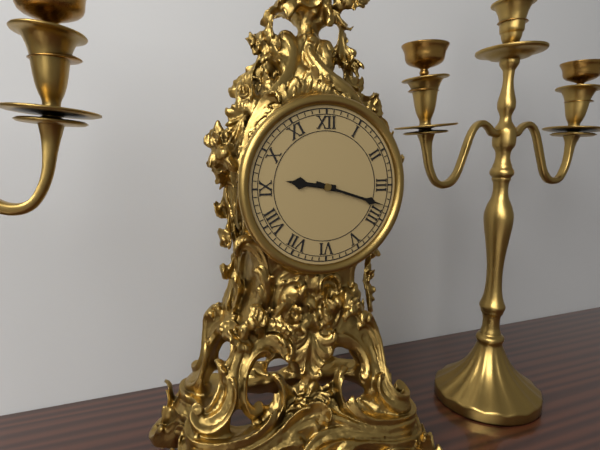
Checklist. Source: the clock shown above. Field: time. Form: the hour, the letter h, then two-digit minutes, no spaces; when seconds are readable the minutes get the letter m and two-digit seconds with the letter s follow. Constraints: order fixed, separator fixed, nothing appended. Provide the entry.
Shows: 9h18
